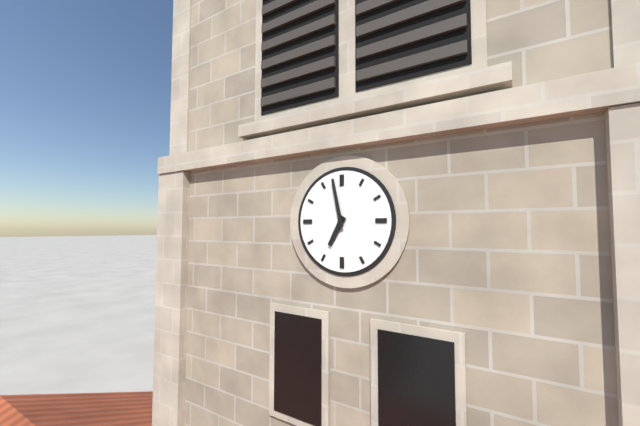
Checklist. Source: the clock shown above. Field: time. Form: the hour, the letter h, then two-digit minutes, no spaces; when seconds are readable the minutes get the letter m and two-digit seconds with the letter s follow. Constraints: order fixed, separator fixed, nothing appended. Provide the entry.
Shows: 6h58
